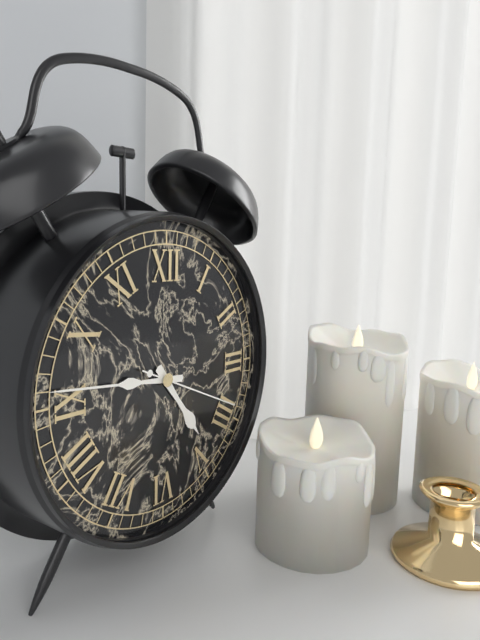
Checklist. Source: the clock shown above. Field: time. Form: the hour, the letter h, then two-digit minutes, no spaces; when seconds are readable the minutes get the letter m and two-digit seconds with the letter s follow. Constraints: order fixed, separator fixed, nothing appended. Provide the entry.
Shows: 4h46m19s
